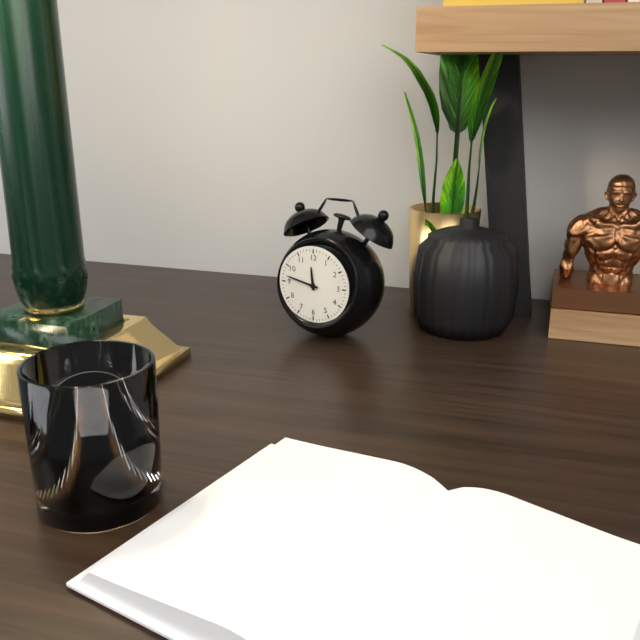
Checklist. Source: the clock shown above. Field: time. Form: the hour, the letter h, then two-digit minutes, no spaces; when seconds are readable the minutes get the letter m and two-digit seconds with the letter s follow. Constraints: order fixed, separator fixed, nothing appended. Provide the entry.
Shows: 11h47
